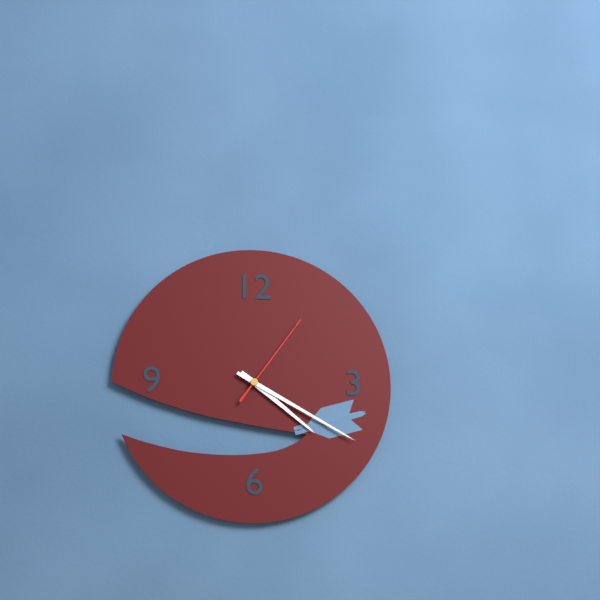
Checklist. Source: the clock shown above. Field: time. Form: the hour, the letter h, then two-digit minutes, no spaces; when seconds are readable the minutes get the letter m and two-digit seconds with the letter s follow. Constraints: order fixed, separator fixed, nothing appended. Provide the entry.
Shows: 4h20m06s
